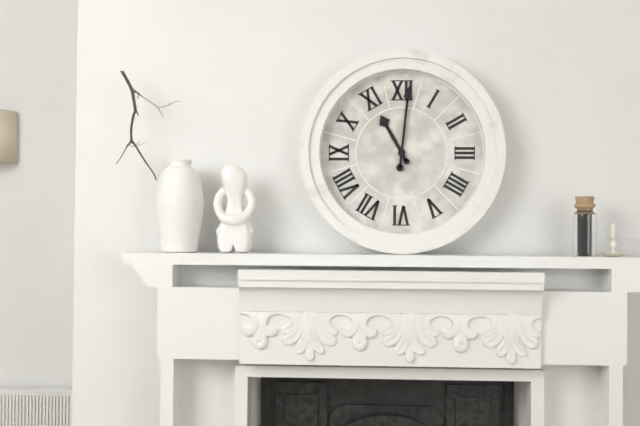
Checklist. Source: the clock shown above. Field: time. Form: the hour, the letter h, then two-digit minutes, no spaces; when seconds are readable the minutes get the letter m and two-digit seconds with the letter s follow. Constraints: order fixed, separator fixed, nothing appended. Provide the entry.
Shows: 11h01
